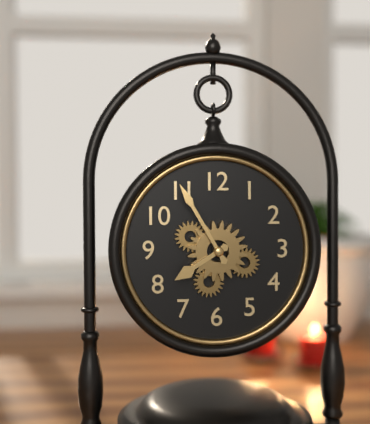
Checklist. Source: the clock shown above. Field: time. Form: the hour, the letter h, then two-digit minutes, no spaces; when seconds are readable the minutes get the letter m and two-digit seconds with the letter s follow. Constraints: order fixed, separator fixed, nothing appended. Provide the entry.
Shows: 7h55
